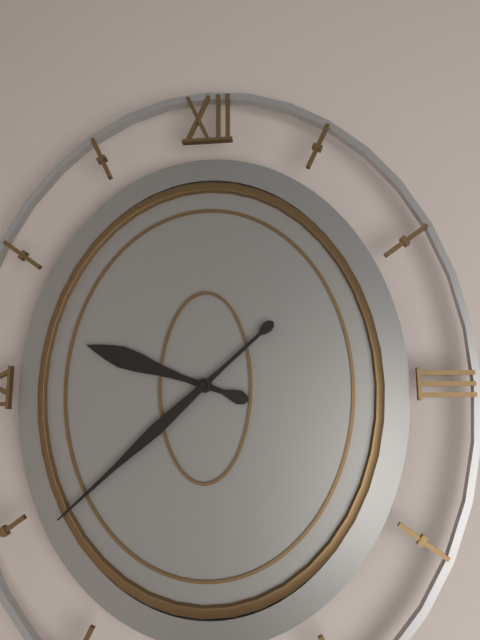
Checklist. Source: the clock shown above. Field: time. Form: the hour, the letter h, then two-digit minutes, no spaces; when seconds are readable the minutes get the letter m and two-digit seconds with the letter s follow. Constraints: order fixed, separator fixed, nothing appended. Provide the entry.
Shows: 9h38
